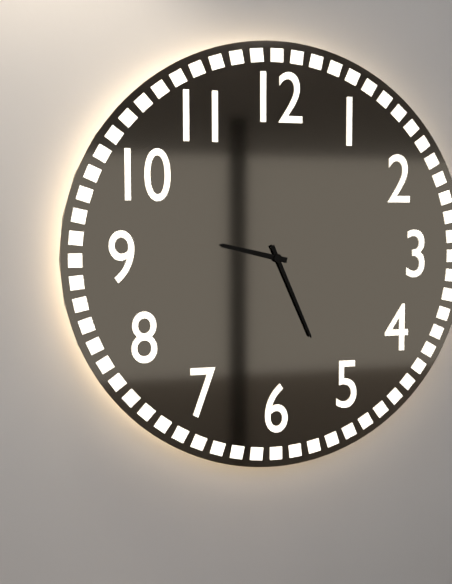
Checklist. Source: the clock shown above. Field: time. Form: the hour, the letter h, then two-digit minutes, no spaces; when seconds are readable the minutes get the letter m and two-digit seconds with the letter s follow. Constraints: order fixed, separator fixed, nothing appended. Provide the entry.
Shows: 9h26
